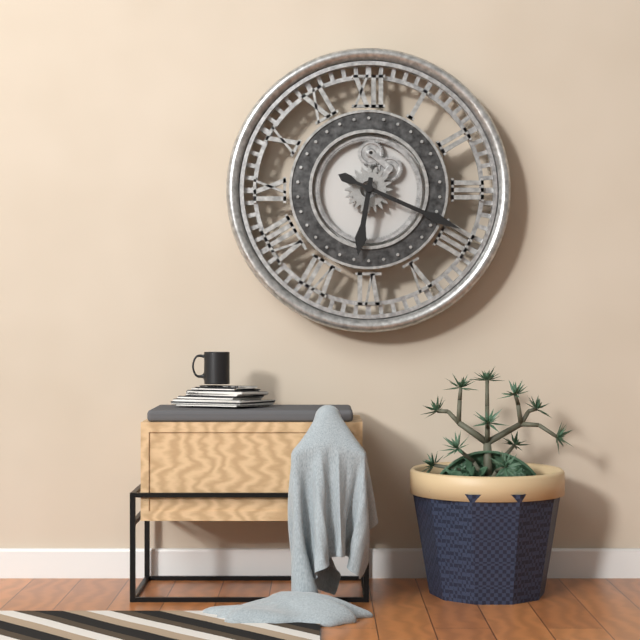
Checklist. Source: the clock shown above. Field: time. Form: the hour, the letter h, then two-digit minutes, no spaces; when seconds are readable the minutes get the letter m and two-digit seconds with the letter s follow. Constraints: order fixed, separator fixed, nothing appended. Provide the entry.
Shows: 6h19
